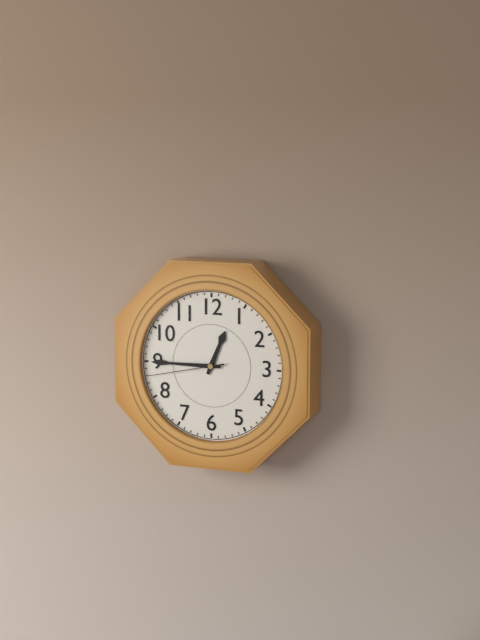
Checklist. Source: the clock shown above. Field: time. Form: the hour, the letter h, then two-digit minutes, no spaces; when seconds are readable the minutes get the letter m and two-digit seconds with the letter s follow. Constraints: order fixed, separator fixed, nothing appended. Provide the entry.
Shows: 12h45m43s
